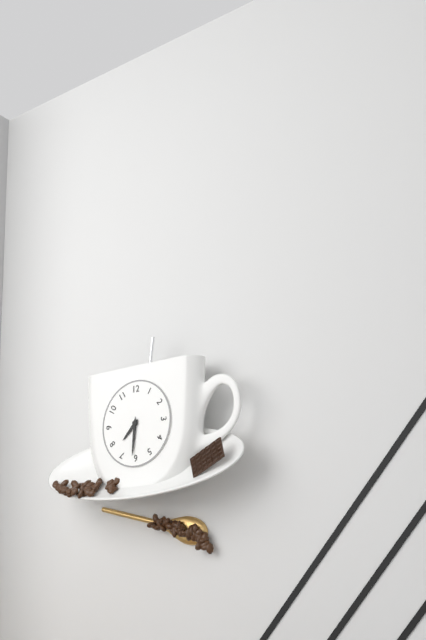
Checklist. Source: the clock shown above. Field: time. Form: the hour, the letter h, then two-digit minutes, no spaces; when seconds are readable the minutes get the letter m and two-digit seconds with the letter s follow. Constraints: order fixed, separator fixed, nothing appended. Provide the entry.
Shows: 7h31
